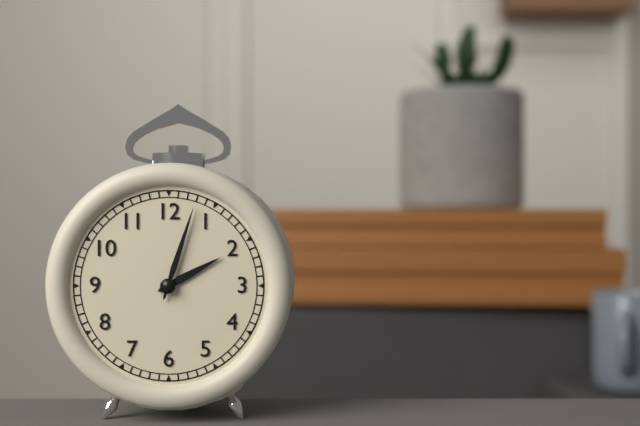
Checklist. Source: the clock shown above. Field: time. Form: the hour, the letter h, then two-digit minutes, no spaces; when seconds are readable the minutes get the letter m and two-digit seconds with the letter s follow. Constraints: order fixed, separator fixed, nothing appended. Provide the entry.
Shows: 2h03
